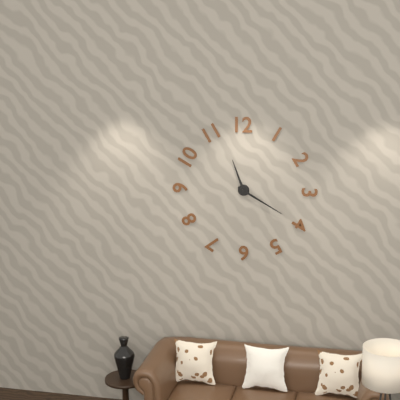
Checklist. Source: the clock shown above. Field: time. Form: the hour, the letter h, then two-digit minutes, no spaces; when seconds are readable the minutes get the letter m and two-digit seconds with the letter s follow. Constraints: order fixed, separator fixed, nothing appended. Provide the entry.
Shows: 11h20
